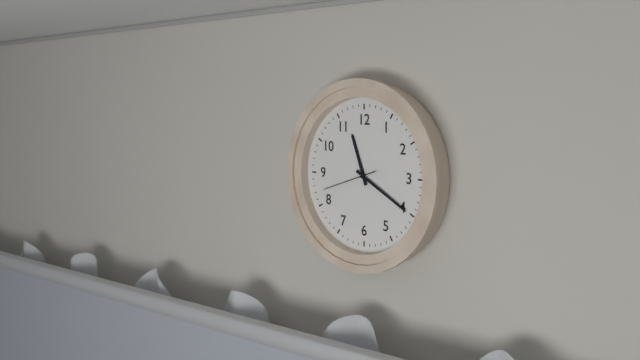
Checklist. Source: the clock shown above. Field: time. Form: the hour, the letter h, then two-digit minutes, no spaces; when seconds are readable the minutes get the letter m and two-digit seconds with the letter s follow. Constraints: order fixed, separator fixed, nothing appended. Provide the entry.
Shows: 11h20m42s
